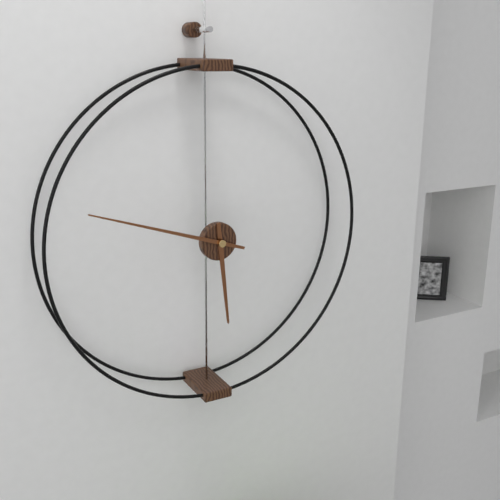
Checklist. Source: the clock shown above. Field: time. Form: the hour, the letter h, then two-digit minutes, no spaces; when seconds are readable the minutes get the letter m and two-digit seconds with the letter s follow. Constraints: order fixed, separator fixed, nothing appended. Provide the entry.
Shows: 5h48
